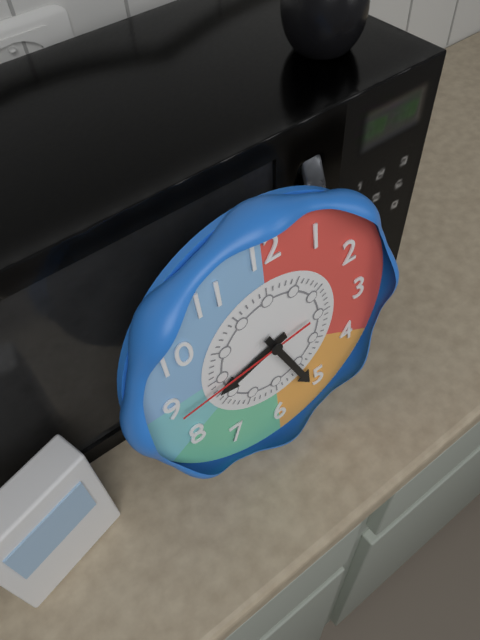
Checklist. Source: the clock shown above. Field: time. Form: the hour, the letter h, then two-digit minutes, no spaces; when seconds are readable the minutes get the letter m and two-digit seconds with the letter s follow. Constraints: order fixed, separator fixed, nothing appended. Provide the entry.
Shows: 8h26m44s
